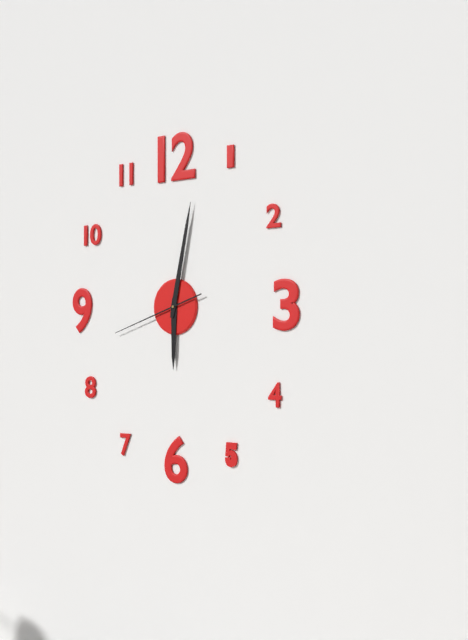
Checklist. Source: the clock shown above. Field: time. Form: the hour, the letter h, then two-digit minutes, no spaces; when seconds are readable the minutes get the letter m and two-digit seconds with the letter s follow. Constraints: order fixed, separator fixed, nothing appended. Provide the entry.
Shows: 6h02m42s
